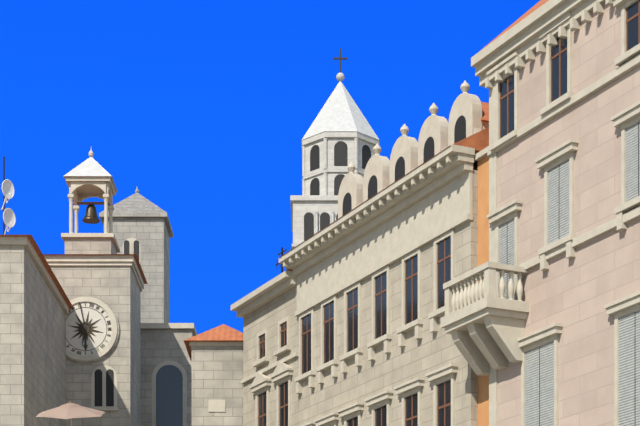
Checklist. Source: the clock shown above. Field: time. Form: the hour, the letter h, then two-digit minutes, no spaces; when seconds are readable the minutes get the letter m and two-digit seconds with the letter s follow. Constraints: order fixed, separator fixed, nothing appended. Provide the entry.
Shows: 5h58
